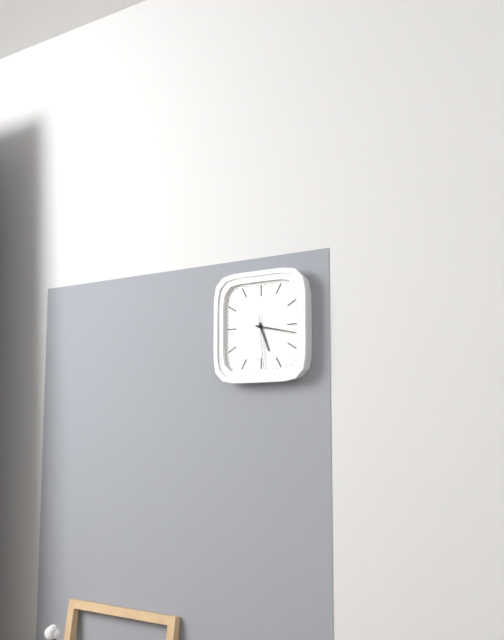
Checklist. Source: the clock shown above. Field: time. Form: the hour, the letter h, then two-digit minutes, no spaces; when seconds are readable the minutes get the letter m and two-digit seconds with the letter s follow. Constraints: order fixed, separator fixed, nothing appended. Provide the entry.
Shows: 5h17m29s
